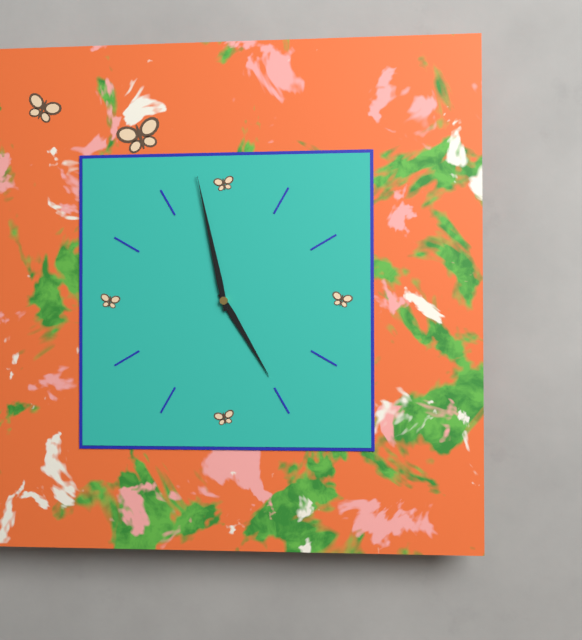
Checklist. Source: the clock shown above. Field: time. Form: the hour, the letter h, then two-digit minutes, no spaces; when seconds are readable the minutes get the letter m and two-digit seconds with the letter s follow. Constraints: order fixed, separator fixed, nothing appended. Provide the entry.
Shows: 4h58
